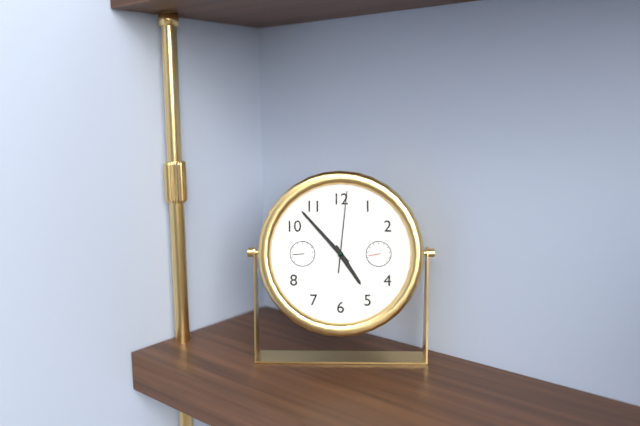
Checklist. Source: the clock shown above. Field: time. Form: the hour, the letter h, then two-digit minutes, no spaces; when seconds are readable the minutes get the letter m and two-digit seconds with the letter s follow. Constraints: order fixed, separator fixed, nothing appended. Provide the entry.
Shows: 4h53m01s
